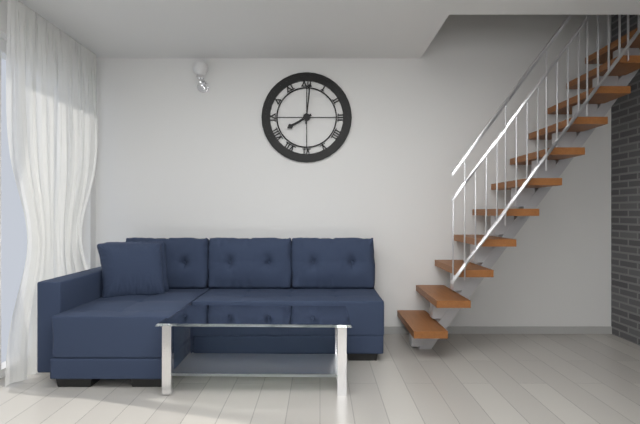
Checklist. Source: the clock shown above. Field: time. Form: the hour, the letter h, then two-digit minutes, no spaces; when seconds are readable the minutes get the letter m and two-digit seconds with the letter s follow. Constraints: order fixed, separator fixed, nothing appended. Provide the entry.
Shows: 8h01
